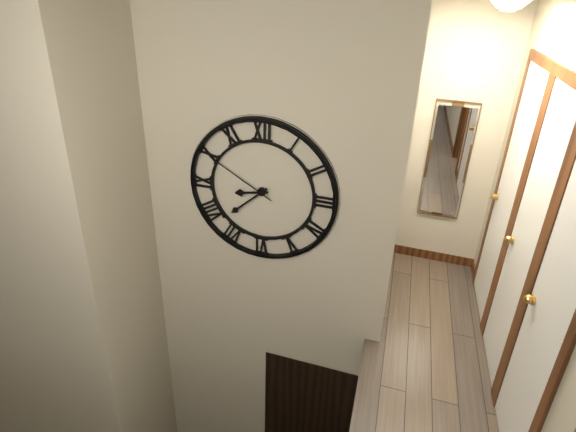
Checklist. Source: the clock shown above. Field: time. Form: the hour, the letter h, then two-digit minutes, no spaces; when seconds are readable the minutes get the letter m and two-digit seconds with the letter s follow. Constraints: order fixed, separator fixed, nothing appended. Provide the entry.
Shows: 8h38m50s
